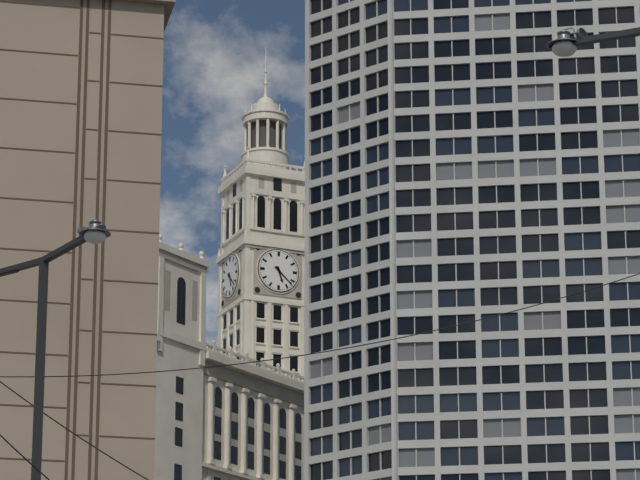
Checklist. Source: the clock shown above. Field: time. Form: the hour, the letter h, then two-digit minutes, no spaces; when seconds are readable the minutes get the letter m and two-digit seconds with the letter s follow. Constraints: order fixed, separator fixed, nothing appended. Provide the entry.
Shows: 5h22
